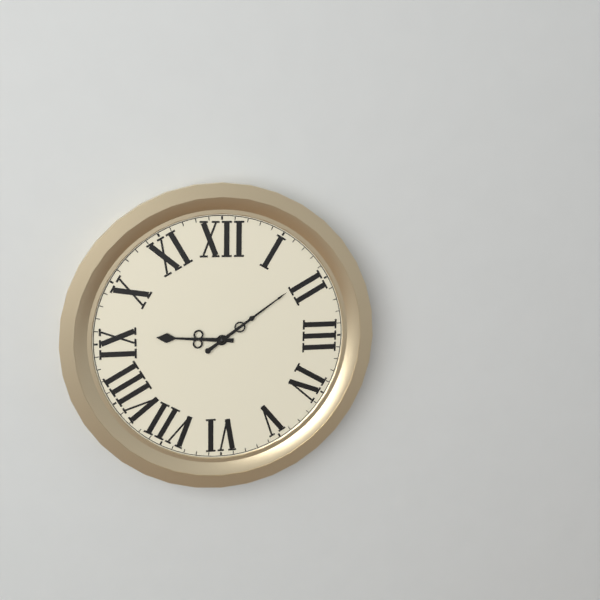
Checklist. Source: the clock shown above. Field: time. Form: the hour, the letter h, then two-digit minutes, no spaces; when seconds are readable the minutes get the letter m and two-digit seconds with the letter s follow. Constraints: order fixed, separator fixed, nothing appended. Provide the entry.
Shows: 9h09
